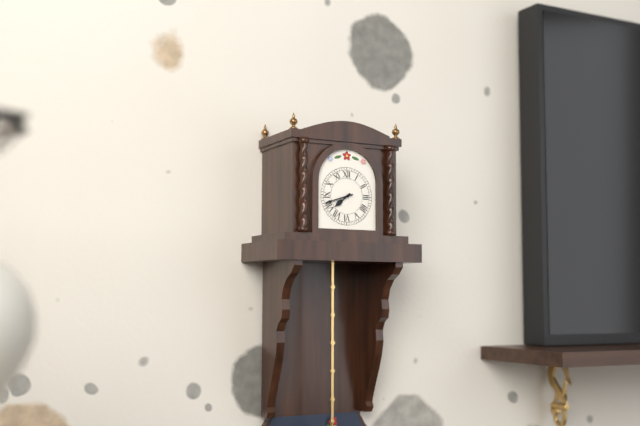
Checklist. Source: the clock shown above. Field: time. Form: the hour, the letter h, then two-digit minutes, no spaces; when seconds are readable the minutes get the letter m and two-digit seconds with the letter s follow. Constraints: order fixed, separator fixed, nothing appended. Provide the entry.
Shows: 7h42
